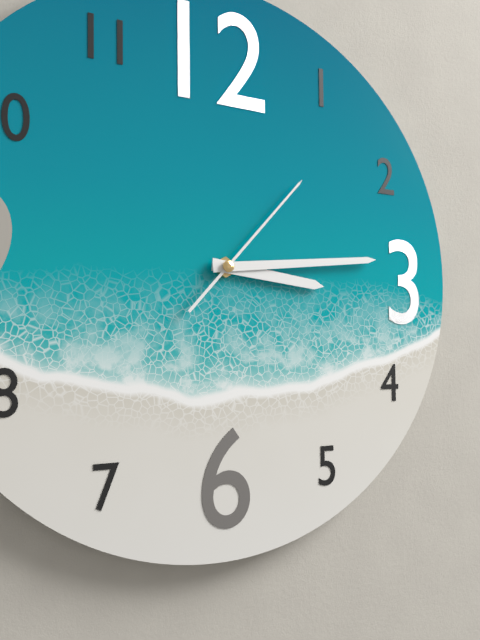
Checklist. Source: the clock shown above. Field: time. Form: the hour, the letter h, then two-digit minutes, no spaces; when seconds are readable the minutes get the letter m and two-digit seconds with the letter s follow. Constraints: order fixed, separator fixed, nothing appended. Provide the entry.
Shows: 3h14m07s
